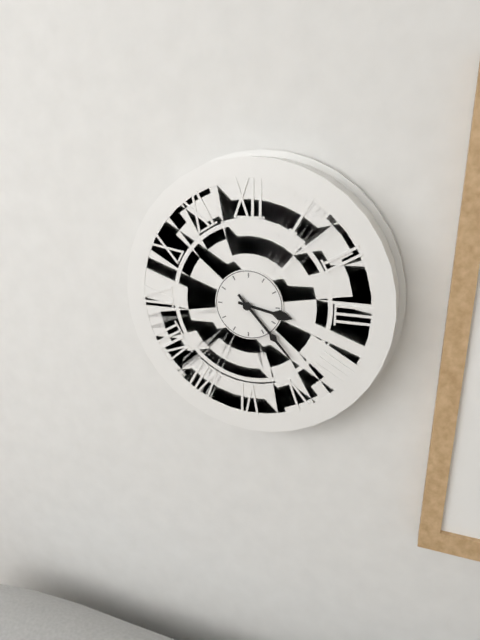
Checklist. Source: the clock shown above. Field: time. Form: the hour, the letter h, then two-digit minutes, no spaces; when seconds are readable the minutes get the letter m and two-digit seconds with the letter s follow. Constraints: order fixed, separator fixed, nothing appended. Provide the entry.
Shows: 3h23
